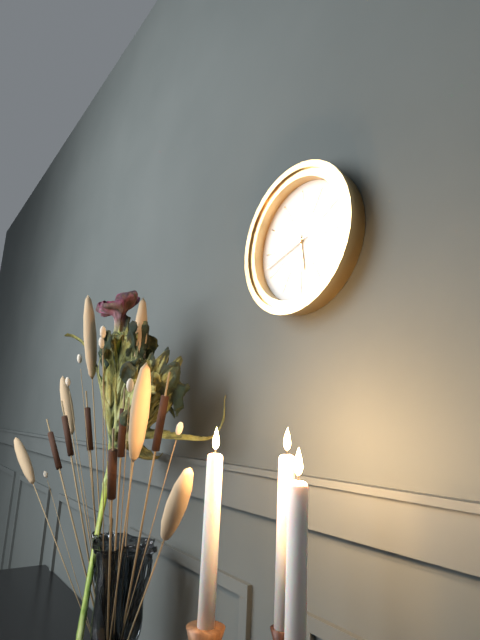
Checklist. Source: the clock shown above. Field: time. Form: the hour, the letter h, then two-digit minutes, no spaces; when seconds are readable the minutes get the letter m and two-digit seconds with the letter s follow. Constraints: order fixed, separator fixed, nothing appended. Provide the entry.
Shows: 5h42
